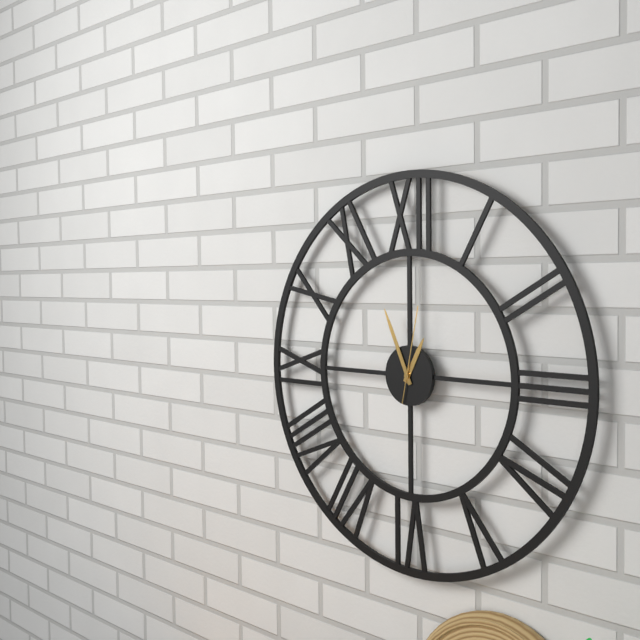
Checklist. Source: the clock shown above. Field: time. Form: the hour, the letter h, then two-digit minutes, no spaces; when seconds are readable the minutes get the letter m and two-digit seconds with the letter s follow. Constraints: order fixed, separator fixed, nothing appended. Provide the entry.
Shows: 12h56m02s
